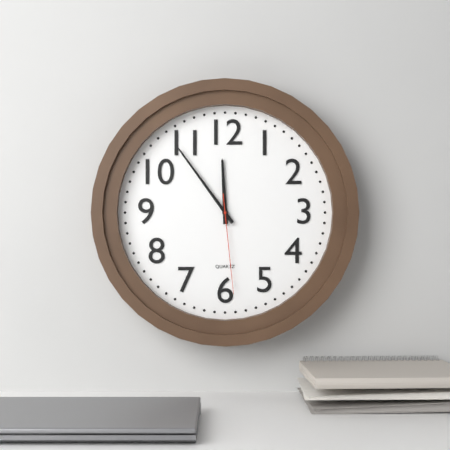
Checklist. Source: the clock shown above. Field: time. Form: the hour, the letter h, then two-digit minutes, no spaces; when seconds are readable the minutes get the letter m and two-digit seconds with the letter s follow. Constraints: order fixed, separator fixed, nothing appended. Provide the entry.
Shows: 11h54m29s
